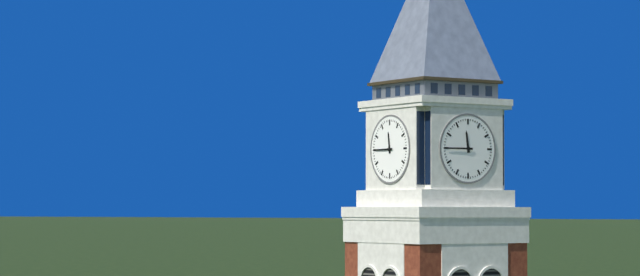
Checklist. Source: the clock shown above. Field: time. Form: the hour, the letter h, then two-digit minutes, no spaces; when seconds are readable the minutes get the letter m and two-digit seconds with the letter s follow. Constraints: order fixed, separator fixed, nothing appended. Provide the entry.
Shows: 11h45
